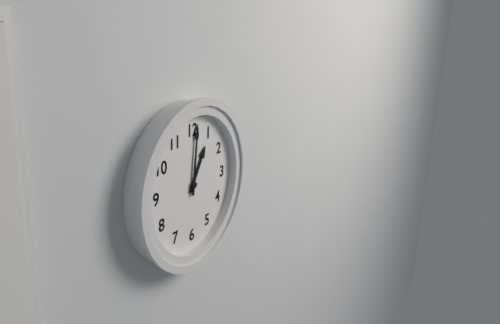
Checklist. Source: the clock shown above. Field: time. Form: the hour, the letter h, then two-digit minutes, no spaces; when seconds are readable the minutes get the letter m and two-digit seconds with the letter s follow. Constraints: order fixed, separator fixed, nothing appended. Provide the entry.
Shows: 1h01
